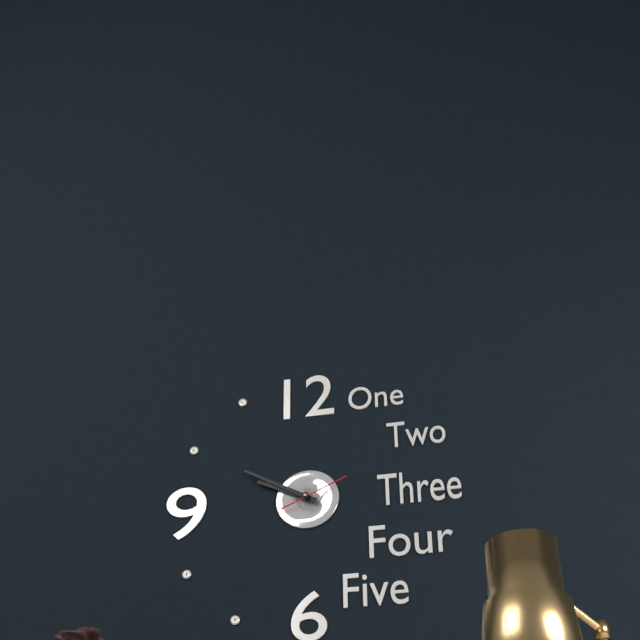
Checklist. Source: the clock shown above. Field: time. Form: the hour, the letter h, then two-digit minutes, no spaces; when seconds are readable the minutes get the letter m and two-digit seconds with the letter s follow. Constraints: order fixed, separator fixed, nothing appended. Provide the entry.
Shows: 9h50m11s
